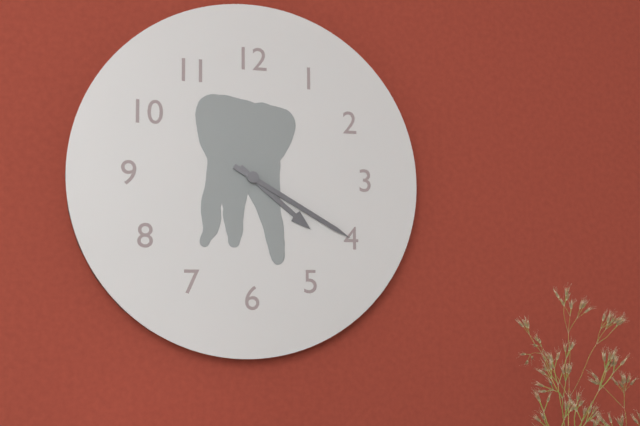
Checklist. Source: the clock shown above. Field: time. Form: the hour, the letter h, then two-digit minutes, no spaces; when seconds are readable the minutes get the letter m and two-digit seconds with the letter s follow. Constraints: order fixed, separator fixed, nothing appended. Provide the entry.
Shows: 4h20
